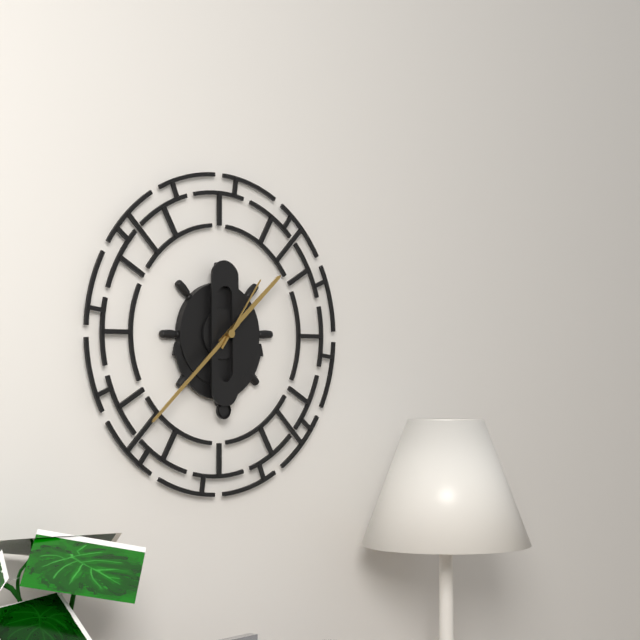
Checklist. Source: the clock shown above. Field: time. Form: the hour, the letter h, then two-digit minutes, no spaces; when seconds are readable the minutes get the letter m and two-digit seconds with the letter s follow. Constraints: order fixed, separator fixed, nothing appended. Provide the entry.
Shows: 1h38m06s
